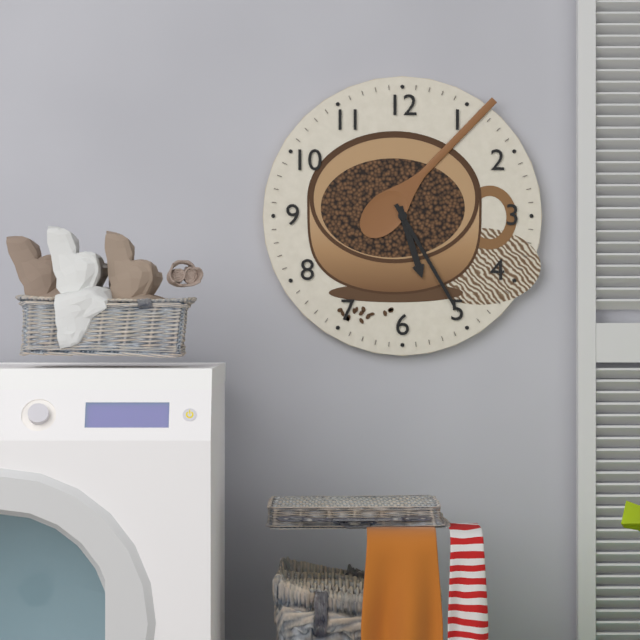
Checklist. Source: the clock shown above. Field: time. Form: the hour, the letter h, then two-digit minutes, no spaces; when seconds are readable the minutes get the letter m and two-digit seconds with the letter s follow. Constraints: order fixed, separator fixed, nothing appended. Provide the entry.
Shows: 5h25
